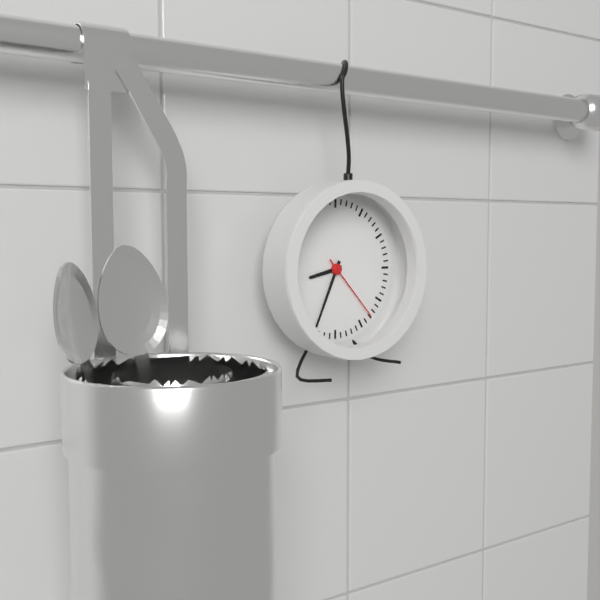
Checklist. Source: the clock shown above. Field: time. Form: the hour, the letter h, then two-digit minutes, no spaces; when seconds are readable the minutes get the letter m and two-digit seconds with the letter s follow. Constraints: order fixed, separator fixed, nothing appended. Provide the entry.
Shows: 8h34m23s
